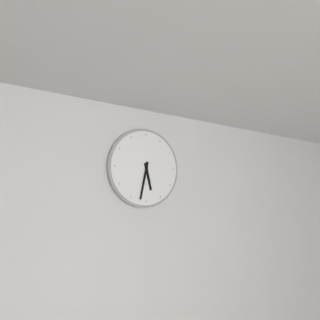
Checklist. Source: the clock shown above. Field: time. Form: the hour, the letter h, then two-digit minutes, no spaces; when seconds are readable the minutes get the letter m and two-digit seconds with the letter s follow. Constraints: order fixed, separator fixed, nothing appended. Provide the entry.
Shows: 5h32
